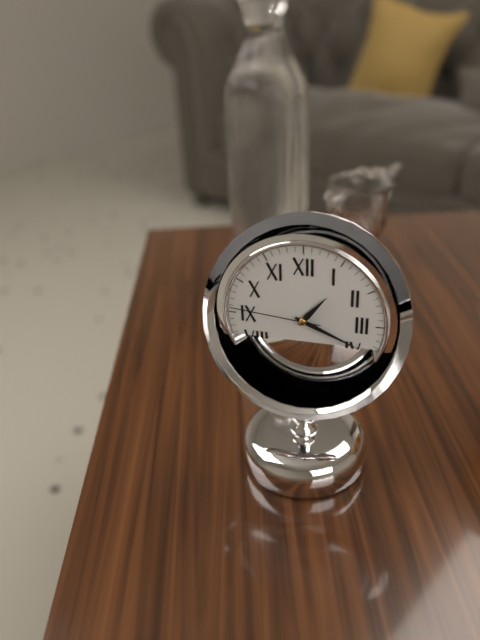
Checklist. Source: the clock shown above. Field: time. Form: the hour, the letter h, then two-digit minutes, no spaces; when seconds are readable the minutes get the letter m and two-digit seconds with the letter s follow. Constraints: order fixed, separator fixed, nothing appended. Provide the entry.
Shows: 1h19m46s
